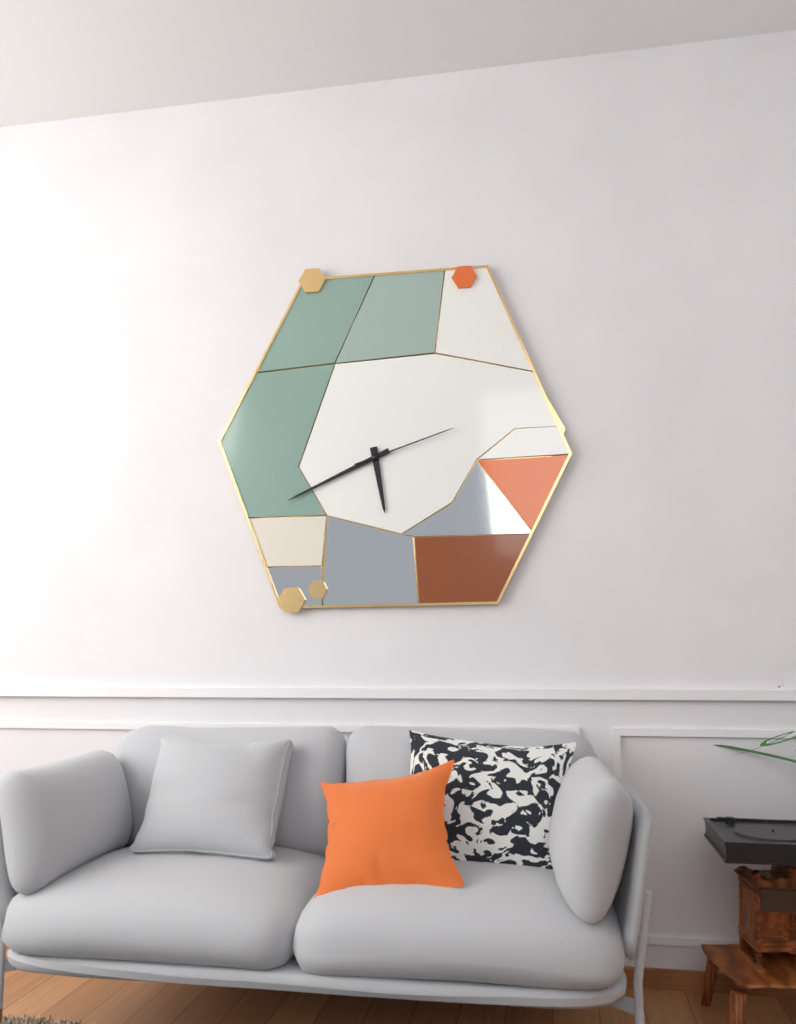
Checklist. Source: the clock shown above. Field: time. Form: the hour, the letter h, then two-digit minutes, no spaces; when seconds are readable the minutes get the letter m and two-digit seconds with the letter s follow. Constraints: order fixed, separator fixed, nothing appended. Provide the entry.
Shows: 5h41m12s
